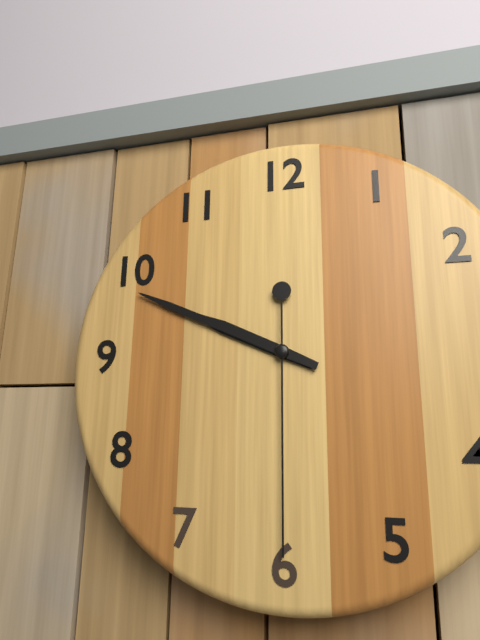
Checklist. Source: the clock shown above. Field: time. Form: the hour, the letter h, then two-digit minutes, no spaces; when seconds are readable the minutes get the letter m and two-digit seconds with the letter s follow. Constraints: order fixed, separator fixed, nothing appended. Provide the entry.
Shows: 9h49m30s
